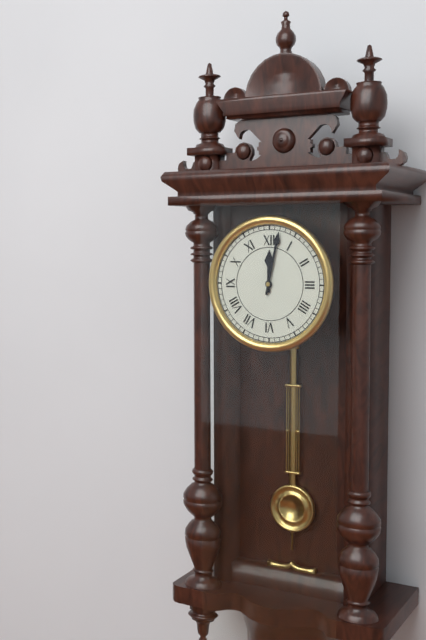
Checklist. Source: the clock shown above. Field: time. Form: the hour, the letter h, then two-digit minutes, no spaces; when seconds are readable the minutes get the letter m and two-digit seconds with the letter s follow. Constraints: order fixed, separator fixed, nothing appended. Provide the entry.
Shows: 12h02
